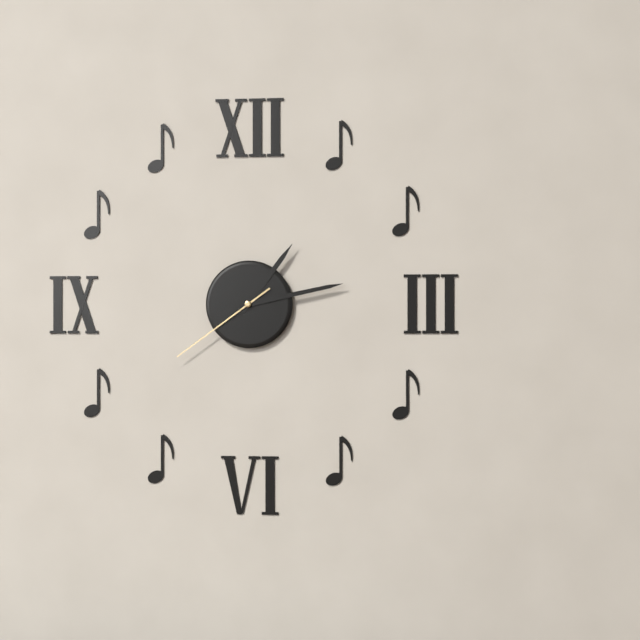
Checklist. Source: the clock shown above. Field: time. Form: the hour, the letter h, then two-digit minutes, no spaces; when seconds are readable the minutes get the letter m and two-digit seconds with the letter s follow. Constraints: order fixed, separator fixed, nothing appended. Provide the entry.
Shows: 1h13m39s
